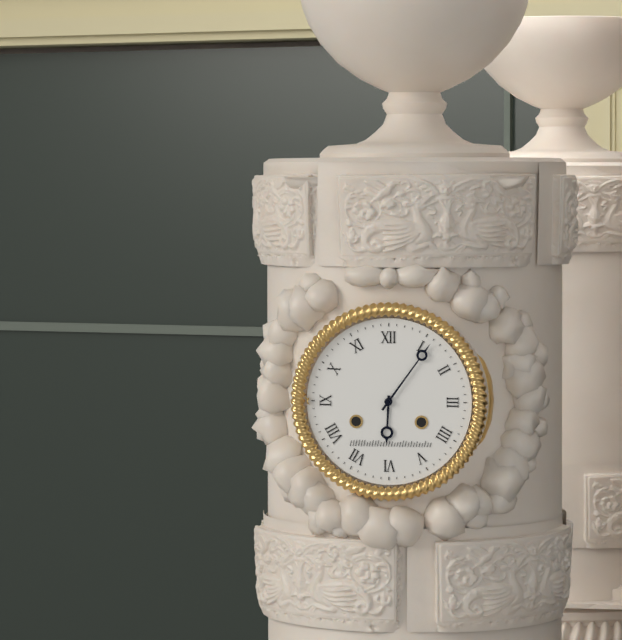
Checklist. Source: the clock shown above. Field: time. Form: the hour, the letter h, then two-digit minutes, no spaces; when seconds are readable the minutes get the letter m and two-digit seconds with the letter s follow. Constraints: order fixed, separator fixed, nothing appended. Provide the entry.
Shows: 6h06
